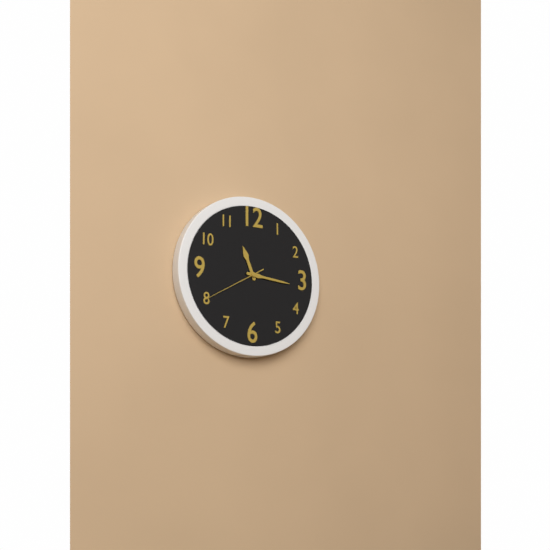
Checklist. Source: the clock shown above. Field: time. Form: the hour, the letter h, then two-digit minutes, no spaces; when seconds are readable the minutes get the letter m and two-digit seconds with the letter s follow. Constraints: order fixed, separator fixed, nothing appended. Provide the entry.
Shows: 11h16m40s
